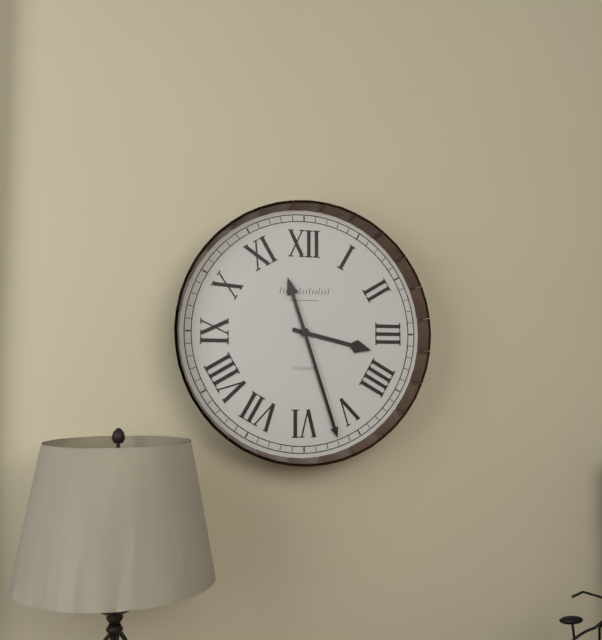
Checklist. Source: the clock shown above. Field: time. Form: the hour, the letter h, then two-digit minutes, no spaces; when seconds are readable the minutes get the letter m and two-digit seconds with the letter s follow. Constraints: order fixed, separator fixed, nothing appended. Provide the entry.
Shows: 3h27
